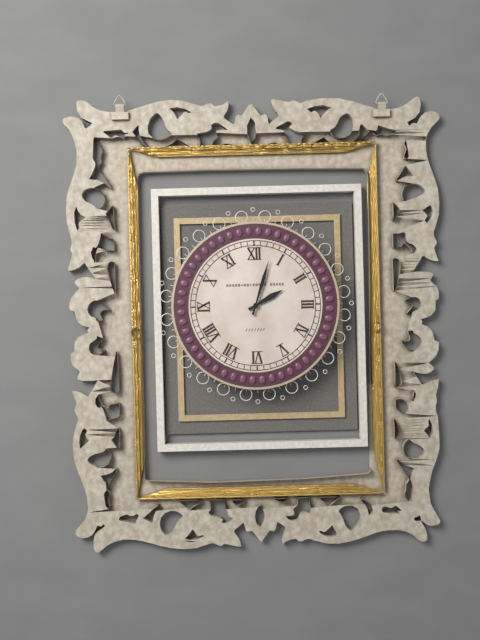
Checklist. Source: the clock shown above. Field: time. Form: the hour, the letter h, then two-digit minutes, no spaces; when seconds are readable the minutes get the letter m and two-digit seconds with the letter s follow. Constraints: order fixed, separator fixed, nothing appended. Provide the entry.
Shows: 2h03
